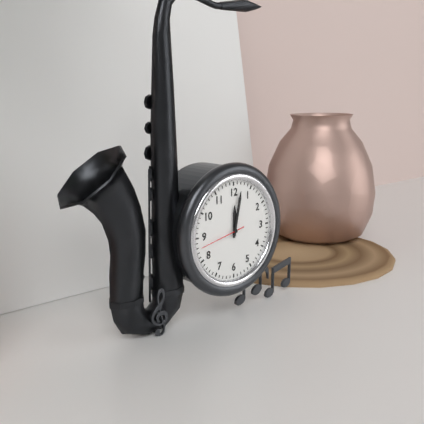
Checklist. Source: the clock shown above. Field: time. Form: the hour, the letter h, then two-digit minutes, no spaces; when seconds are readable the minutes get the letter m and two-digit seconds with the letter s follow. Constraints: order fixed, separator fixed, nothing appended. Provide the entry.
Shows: 12h02
